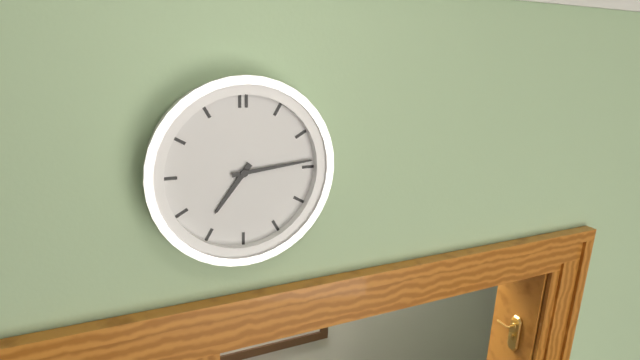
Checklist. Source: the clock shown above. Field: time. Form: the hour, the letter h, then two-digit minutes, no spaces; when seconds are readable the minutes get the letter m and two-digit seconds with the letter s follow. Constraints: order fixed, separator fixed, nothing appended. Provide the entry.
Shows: 7h14
